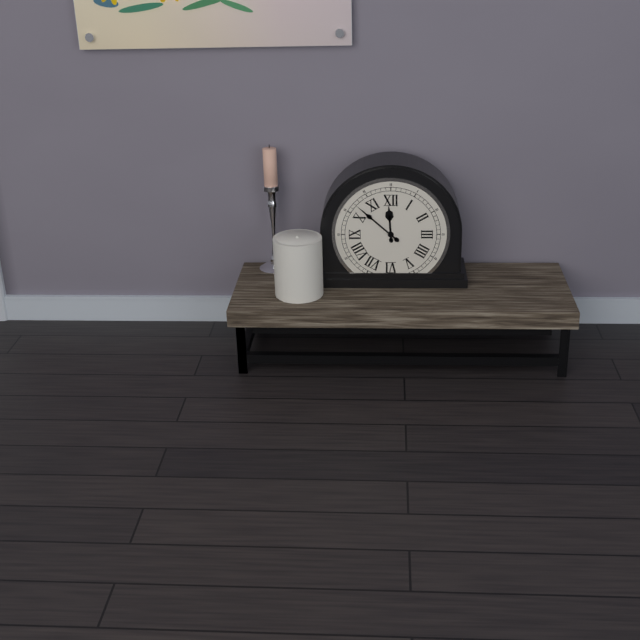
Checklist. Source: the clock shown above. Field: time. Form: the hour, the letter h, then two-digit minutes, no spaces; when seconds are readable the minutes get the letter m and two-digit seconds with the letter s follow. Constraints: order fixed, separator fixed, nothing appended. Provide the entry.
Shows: 11h52
